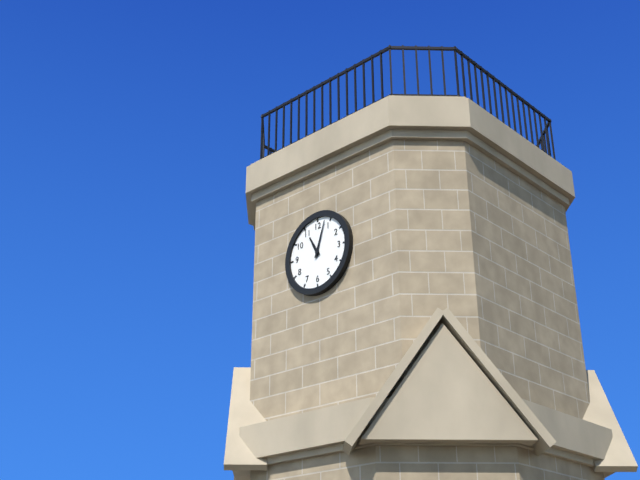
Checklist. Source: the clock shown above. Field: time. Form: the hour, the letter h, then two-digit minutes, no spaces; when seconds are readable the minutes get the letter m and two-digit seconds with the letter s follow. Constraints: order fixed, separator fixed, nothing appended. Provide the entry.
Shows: 11h03
